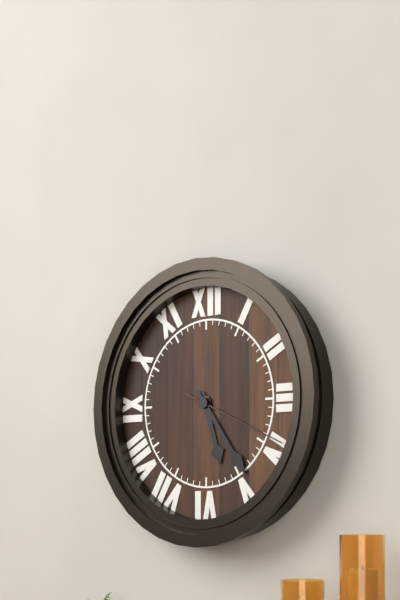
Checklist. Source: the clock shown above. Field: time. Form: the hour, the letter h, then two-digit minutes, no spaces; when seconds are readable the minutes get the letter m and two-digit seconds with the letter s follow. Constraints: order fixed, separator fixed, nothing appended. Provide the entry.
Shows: 5h24m19s
